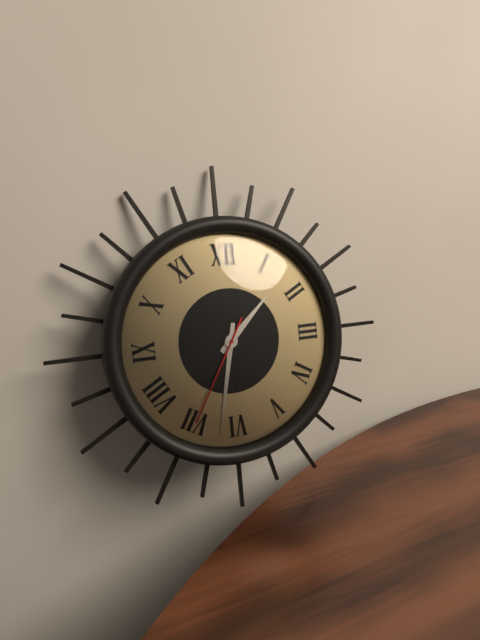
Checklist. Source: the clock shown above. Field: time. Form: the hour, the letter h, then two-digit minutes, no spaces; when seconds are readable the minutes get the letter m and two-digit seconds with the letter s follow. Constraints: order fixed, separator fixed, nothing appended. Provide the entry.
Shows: 1h32m35s
